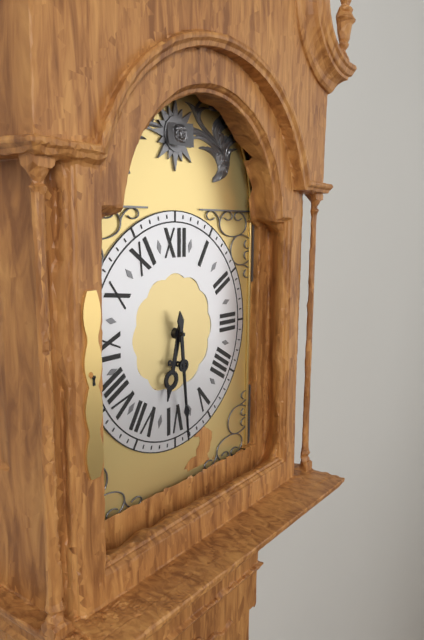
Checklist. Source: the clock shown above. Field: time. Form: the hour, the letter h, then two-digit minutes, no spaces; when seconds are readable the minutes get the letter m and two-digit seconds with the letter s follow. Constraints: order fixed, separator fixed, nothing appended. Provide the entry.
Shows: 6h29
